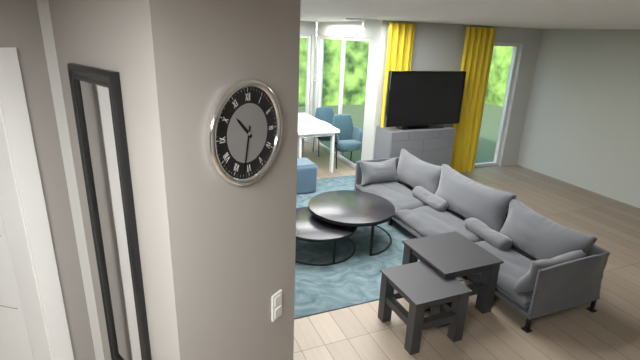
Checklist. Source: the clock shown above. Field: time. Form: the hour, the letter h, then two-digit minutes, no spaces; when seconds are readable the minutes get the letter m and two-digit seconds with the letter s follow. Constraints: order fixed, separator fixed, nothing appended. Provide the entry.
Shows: 10h32
